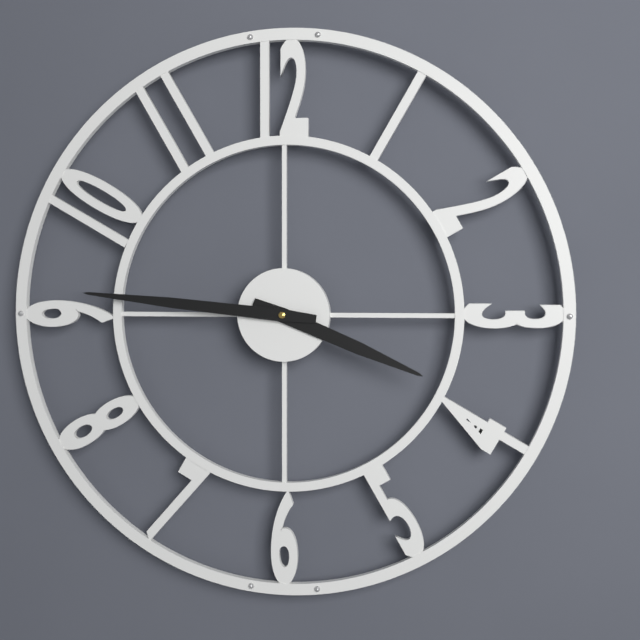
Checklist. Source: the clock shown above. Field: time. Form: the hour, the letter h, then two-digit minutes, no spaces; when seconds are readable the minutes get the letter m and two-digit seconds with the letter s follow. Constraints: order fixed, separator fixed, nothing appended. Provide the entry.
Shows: 3h46
